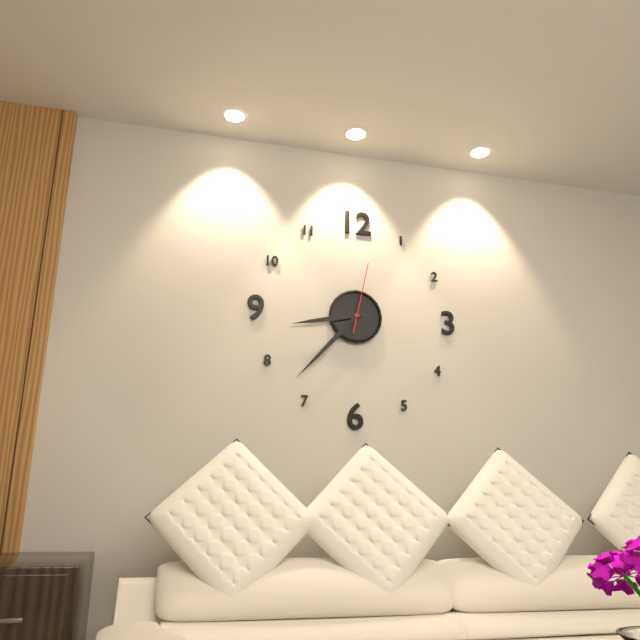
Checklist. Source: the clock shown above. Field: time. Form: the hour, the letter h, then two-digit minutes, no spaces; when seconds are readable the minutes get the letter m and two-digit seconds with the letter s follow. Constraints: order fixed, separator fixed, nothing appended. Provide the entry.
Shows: 8h37m02s
